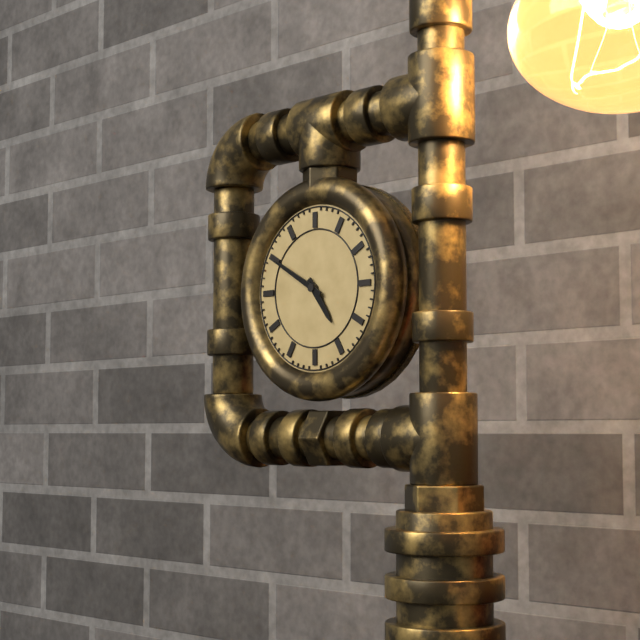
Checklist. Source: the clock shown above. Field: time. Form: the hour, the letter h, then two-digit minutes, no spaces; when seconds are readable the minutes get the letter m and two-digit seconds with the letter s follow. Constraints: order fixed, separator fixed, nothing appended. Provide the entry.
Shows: 4h50
